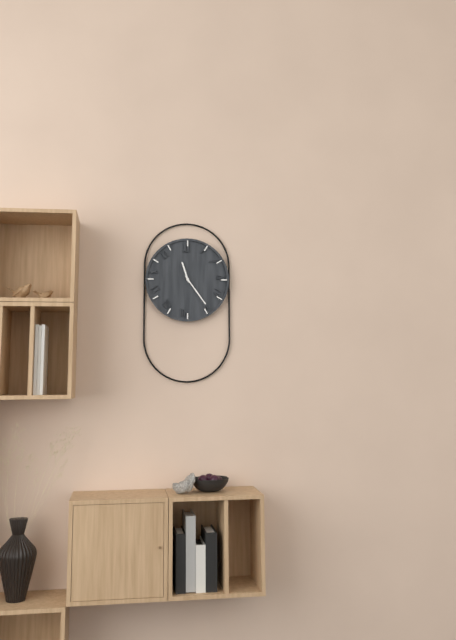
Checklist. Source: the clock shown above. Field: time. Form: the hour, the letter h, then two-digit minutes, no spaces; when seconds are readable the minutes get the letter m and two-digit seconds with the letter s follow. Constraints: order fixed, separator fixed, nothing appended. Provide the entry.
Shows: 11h24
